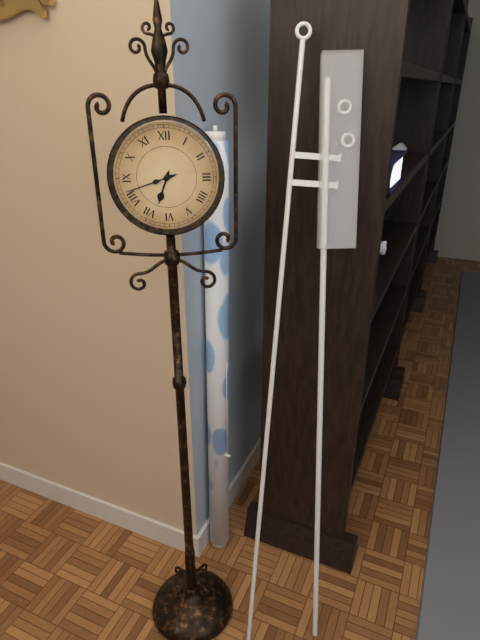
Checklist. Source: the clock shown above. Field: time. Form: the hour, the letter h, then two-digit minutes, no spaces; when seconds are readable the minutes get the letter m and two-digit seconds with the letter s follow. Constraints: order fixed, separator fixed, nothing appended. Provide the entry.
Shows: 6h42
